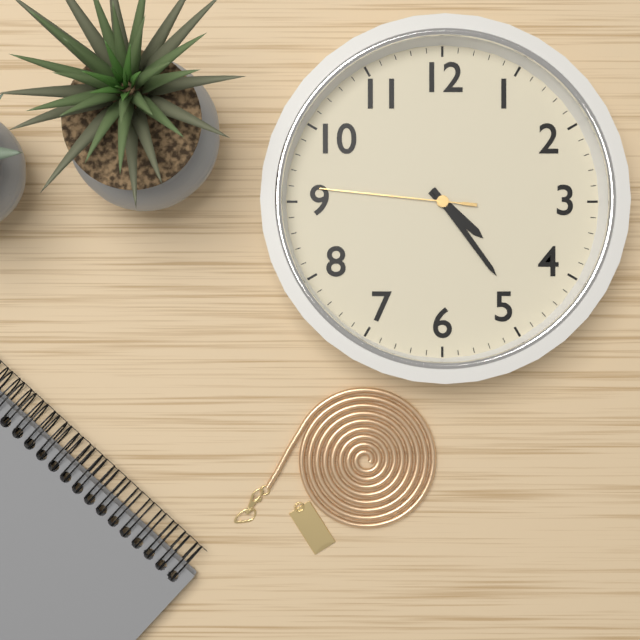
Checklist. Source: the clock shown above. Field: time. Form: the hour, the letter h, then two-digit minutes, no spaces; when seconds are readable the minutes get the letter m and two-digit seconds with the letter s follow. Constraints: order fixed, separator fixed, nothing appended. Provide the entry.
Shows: 4h24m46s
